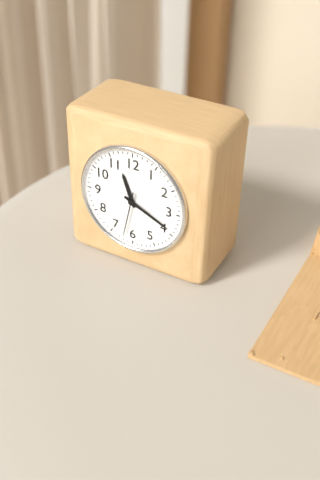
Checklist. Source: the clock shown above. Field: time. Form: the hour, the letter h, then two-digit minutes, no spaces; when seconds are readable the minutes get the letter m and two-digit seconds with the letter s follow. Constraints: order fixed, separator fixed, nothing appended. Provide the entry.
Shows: 11h19
